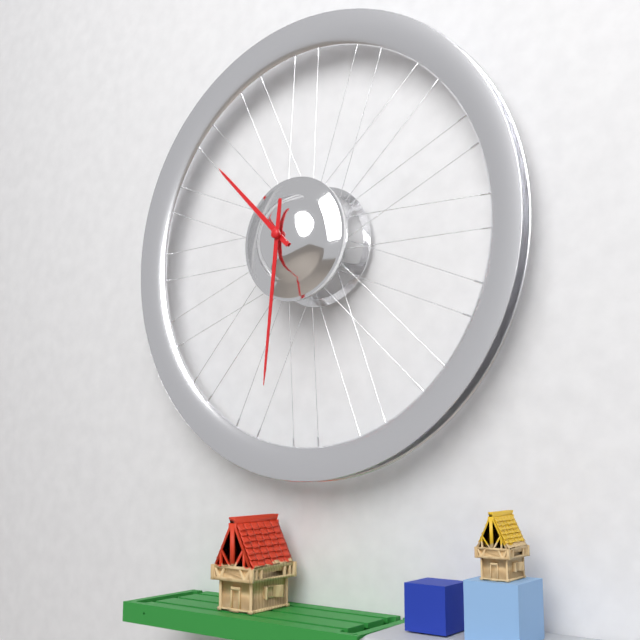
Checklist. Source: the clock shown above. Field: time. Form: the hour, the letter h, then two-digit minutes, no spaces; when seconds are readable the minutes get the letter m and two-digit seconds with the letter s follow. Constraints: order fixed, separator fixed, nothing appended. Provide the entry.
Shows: 10h31
